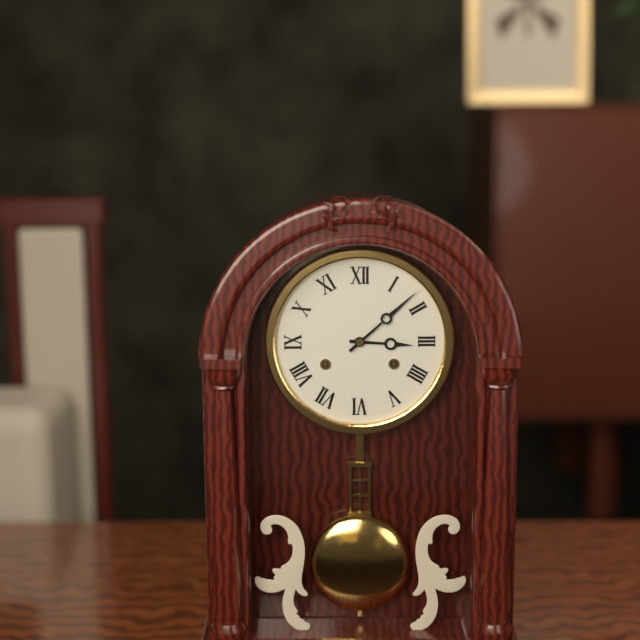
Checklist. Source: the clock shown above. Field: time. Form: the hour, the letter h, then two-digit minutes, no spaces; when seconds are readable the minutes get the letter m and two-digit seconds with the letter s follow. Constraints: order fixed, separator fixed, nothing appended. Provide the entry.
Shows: 3h08
